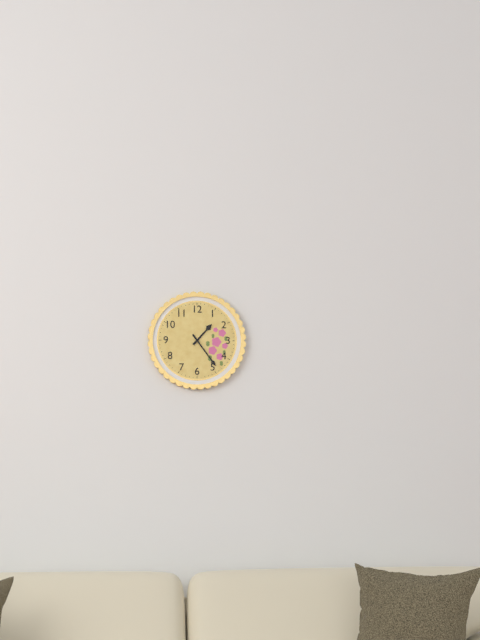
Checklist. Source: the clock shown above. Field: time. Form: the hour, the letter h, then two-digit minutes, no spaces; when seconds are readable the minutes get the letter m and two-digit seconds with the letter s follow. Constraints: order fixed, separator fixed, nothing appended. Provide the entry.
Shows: 1h24
